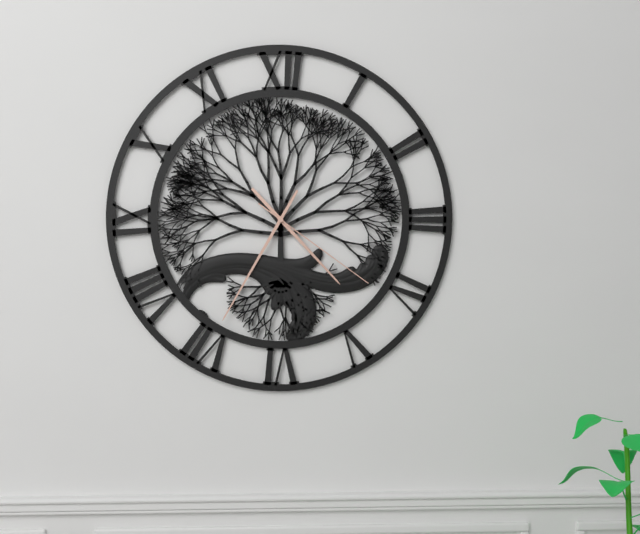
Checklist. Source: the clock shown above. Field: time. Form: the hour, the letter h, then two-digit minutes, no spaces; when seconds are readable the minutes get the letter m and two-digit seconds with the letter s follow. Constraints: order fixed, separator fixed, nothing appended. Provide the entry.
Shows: 4h35m21s
